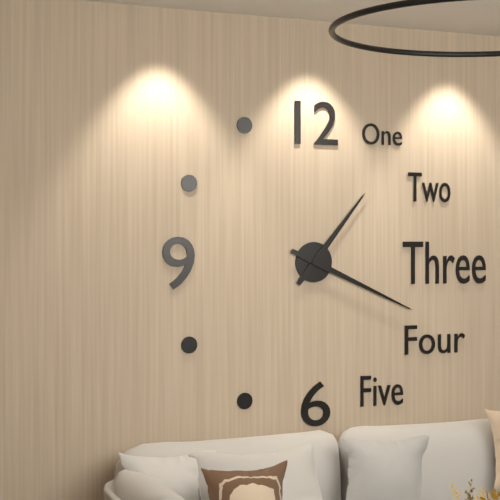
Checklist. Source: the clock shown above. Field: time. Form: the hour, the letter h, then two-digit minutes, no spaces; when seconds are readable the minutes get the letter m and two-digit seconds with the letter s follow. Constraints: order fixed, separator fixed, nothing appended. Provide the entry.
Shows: 1h19
